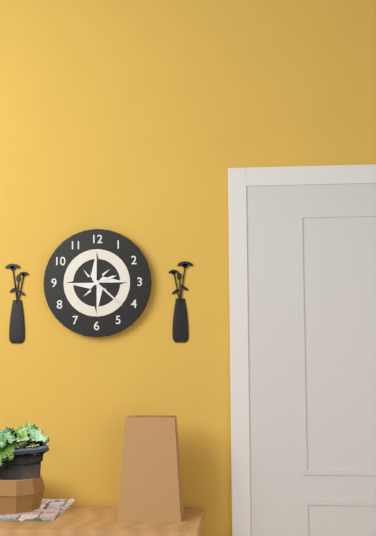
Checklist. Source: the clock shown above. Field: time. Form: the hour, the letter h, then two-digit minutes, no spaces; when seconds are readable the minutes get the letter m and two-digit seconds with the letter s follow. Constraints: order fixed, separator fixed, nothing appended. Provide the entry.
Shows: 2h22
